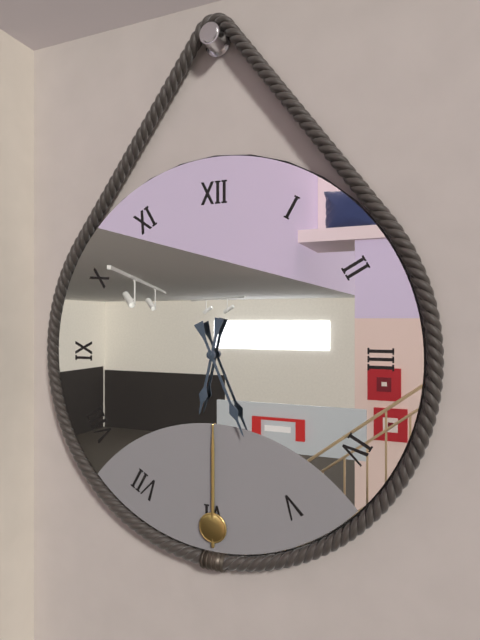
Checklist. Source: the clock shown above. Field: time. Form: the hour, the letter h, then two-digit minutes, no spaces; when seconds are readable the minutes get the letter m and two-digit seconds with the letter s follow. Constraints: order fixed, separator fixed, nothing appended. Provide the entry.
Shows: 6h26
